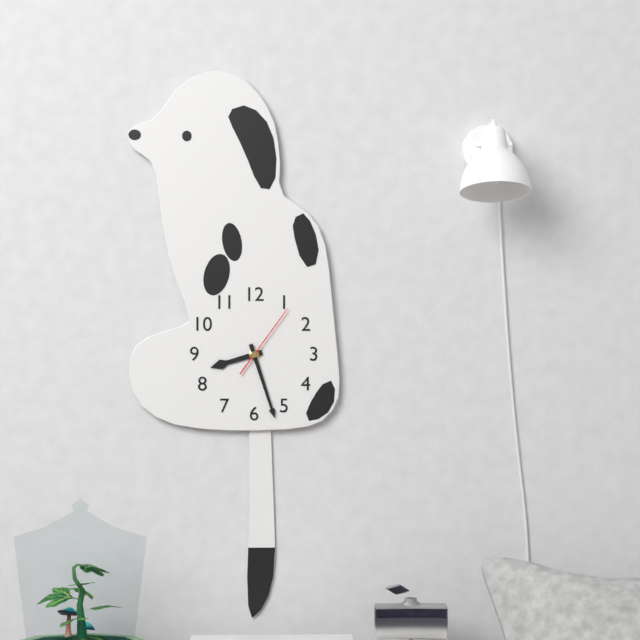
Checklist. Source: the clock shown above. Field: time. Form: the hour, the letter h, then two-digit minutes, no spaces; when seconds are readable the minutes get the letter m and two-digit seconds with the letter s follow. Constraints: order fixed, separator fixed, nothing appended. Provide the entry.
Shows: 8h27m06s
